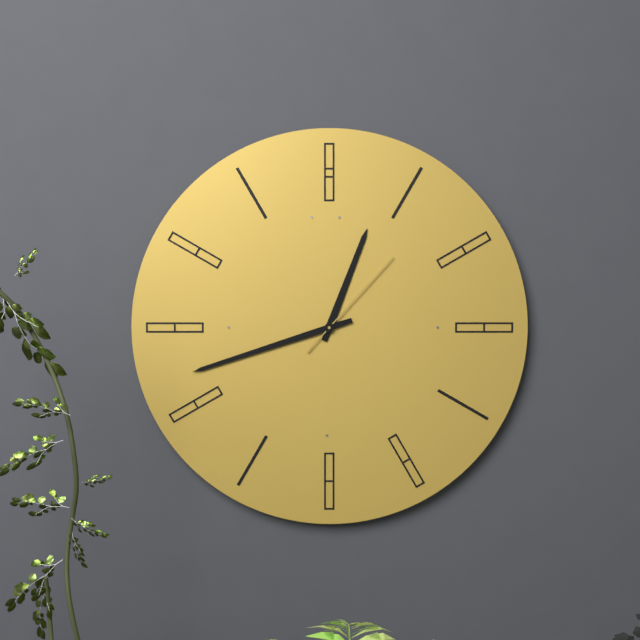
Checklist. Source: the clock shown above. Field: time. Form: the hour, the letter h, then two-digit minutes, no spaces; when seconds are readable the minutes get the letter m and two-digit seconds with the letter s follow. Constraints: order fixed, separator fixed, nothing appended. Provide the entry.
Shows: 12h42m07s
